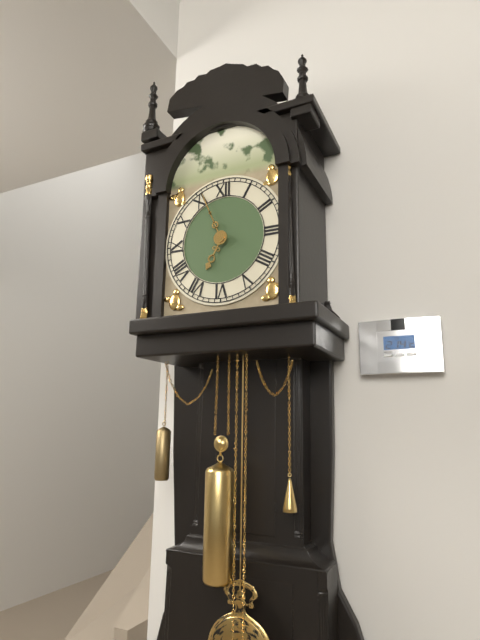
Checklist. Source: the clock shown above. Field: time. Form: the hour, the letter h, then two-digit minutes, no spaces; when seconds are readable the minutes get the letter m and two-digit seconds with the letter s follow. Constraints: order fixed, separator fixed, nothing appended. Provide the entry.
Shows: 6h56
